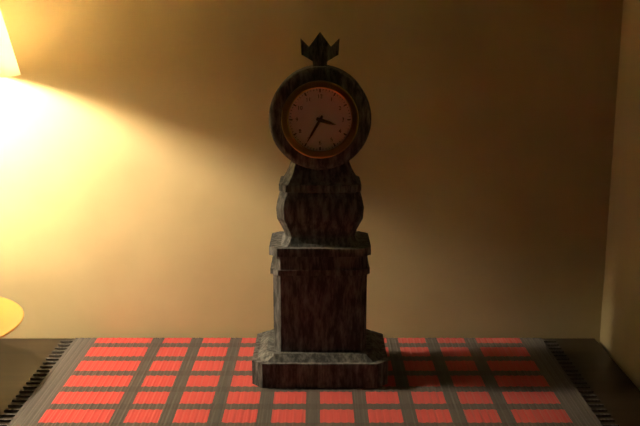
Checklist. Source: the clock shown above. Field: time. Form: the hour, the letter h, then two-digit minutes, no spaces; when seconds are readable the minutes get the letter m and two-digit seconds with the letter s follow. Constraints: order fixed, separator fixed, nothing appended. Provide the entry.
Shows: 3h35
